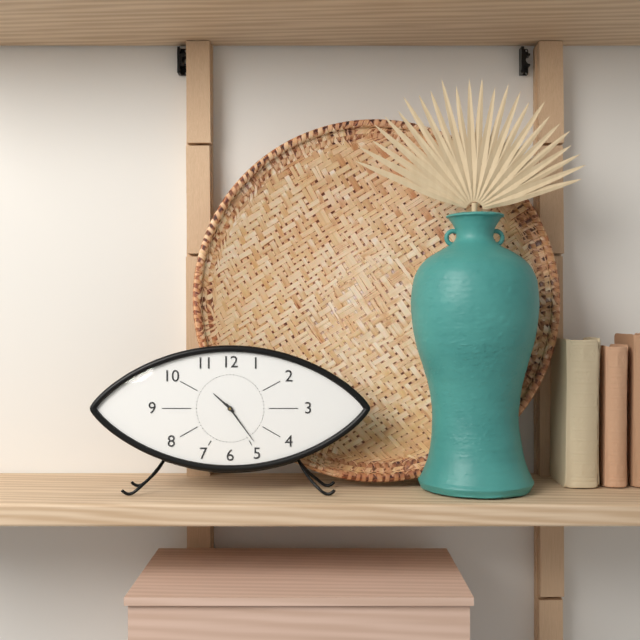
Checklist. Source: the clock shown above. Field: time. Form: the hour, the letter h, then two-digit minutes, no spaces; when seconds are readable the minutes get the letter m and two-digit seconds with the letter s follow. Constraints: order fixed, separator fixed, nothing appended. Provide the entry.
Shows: 10h24
